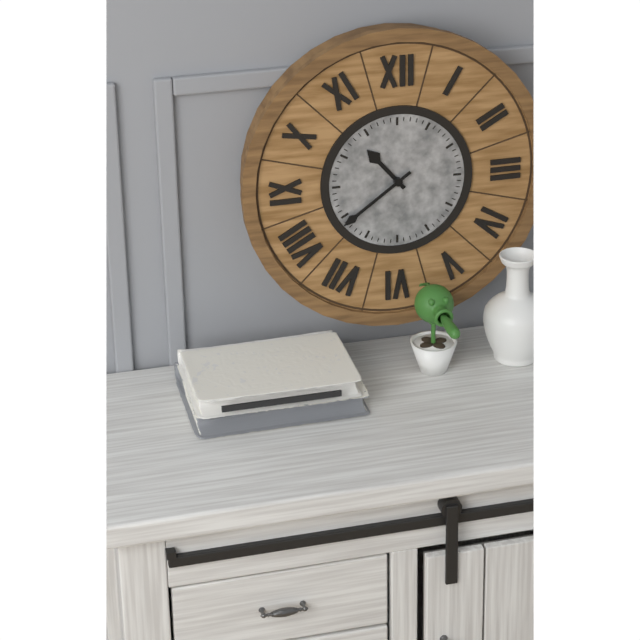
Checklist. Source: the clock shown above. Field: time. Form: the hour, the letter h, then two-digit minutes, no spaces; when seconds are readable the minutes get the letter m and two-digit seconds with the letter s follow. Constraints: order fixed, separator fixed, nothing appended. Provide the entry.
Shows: 10h39
